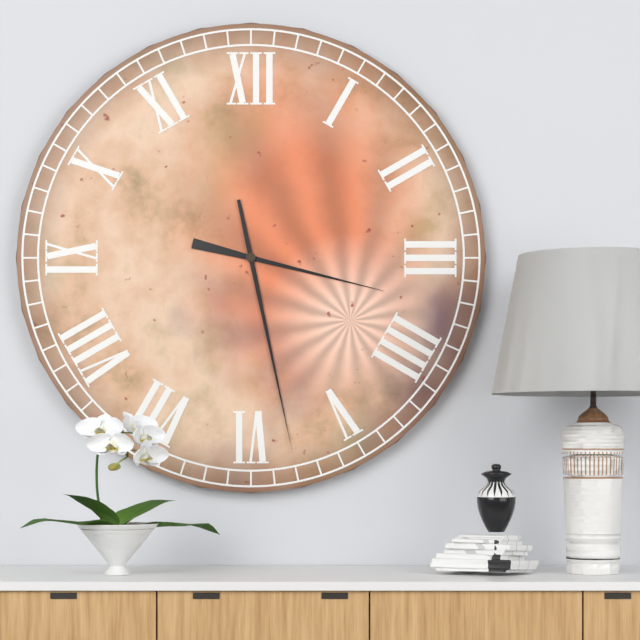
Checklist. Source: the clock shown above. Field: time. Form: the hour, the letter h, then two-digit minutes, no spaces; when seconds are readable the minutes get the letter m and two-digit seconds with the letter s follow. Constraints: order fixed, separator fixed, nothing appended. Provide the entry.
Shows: 3h28
